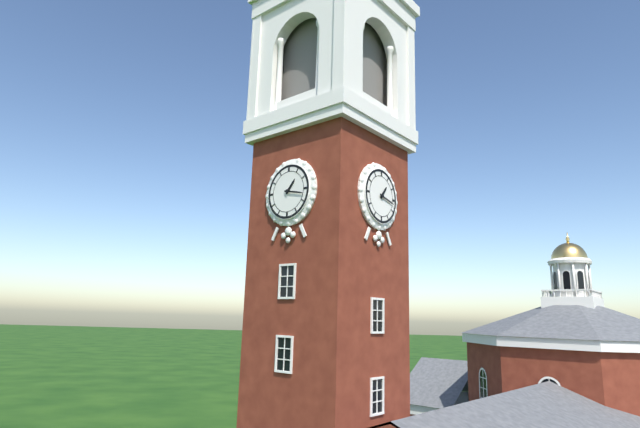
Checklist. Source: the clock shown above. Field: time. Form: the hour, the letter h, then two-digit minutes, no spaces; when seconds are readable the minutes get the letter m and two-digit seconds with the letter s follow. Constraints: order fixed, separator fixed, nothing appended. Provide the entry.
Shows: 1h17
